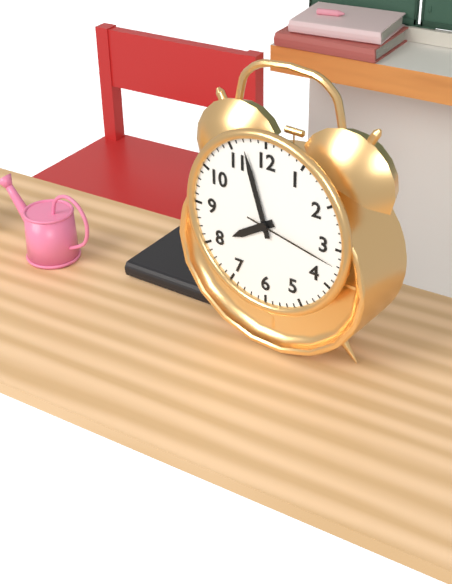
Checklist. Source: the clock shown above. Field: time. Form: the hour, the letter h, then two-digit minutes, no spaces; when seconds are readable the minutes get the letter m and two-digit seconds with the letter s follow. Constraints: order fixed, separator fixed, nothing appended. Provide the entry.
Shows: 7h57m17s
